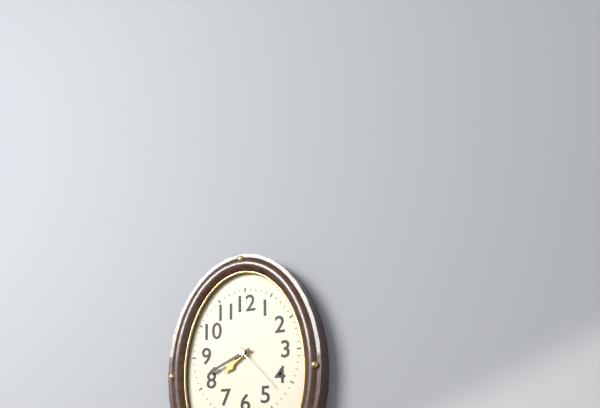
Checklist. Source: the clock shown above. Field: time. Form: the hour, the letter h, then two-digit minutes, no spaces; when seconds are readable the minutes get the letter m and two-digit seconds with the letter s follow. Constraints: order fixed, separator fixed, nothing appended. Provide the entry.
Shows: 7h41m23s
